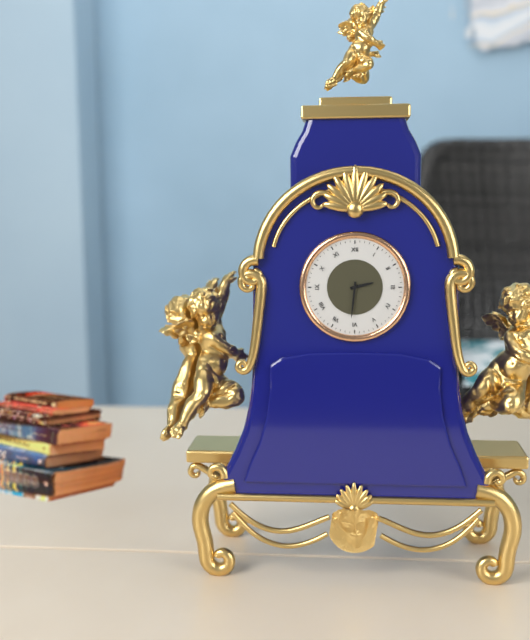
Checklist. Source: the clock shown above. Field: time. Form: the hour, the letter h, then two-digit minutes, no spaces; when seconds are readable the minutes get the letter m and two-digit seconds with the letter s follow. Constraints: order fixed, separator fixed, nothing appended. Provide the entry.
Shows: 2h31
